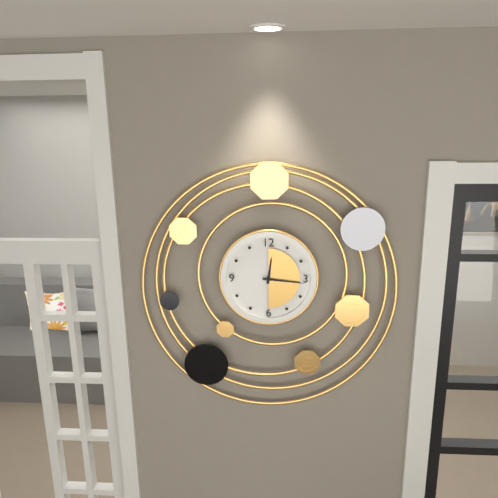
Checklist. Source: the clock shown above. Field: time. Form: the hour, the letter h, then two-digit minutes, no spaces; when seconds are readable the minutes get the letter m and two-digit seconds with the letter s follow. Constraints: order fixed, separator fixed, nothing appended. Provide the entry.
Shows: 12h16
